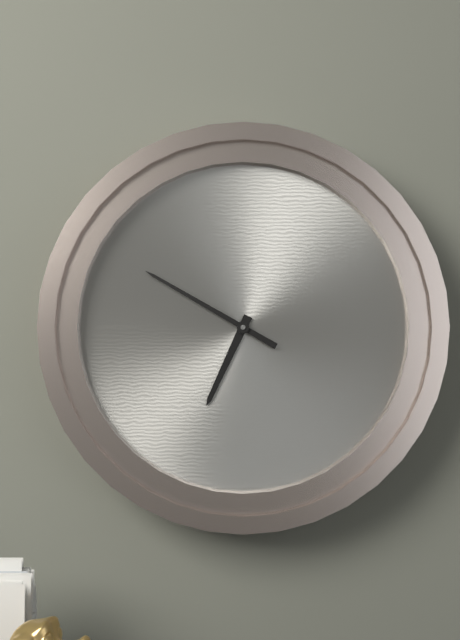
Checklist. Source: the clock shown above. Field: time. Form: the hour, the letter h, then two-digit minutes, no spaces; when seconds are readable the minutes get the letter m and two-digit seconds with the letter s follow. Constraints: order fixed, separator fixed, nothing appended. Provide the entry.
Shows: 6h50
